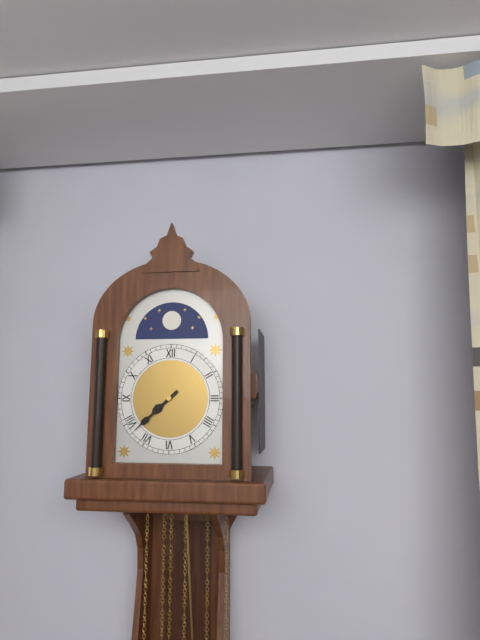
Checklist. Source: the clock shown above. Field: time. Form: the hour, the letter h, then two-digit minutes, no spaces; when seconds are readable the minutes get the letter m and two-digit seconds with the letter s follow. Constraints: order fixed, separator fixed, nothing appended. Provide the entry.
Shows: 7h38
